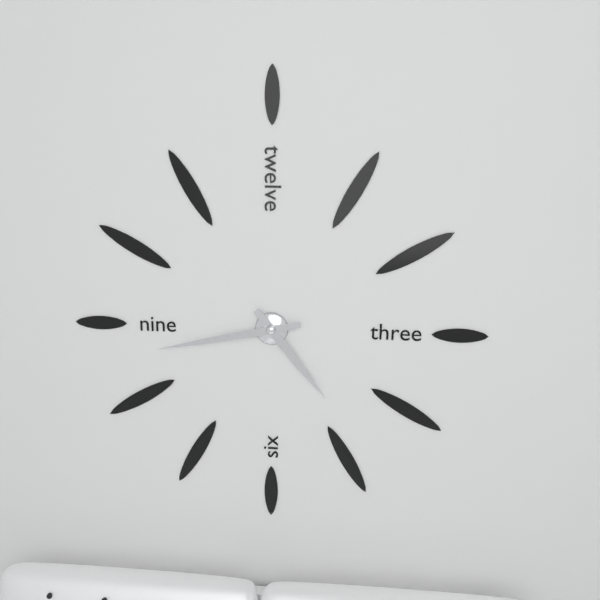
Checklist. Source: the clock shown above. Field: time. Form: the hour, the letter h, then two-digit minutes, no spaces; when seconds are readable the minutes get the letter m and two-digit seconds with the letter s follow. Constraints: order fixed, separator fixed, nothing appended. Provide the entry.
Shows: 4h43
